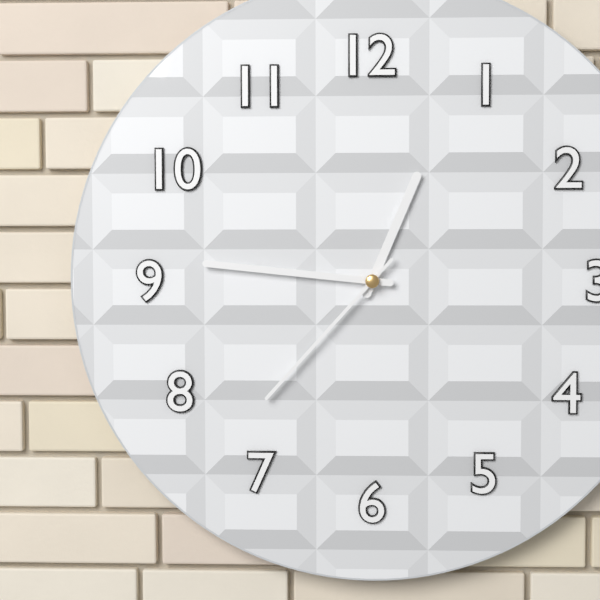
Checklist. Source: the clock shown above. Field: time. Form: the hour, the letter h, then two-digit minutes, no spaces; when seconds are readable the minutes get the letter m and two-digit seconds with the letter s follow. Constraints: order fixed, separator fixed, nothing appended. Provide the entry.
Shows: 12h46m37s
